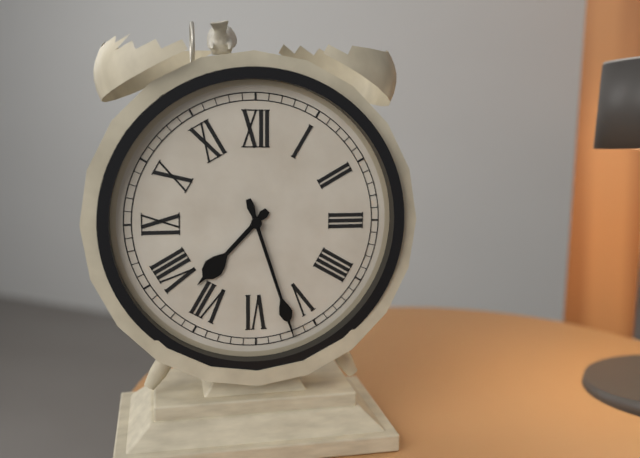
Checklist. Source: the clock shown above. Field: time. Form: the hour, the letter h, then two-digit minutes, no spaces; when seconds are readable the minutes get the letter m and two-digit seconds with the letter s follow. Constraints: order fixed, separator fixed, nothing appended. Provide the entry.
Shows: 7h27
